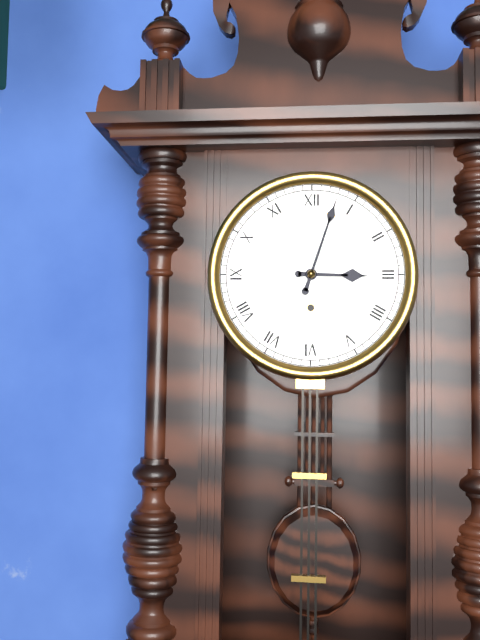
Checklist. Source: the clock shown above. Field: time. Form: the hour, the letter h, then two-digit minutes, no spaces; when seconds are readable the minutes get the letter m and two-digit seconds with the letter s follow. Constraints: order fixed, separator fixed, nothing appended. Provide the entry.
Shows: 3h03
